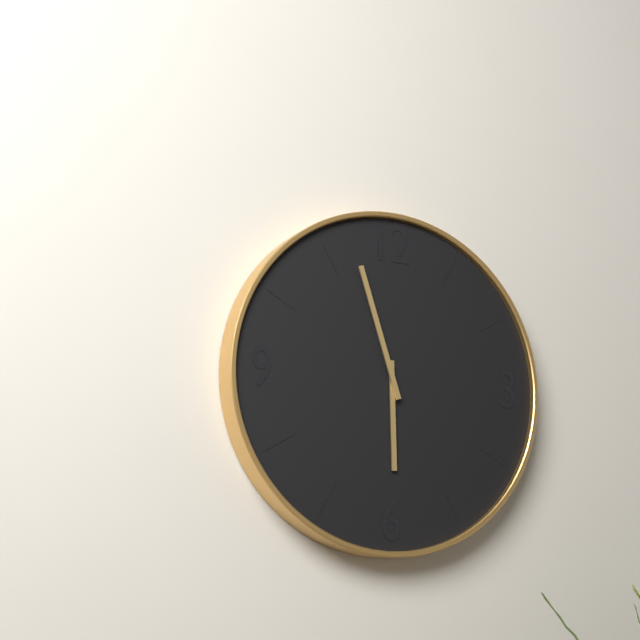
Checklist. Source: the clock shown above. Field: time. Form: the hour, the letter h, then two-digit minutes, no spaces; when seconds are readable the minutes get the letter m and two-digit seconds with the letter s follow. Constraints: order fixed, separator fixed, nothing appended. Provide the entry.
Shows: 5h57
